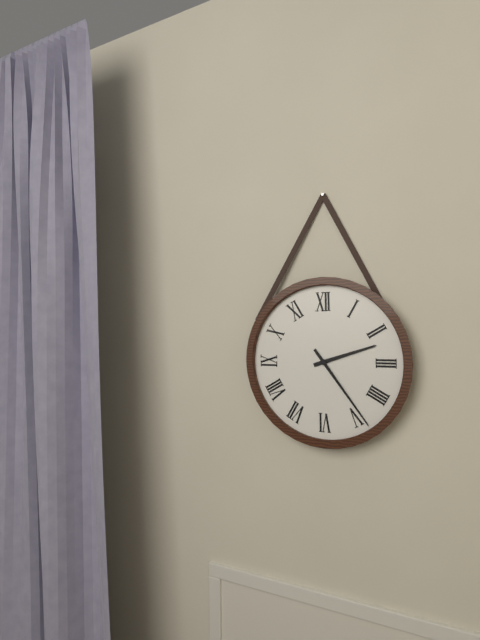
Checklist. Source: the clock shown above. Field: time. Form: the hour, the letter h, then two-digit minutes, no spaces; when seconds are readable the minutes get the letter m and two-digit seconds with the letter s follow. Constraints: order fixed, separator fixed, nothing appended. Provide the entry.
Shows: 2h24
